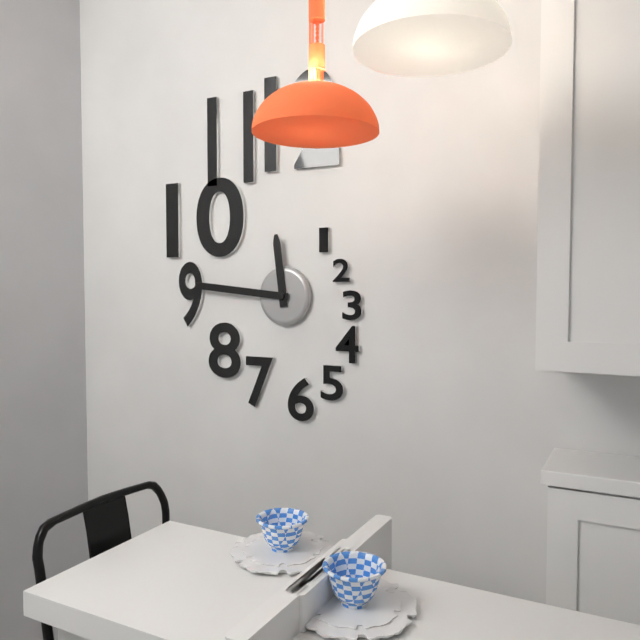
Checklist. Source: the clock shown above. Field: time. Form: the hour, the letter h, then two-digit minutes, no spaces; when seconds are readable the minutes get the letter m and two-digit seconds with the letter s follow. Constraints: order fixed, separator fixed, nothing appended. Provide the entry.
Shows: 11h46
